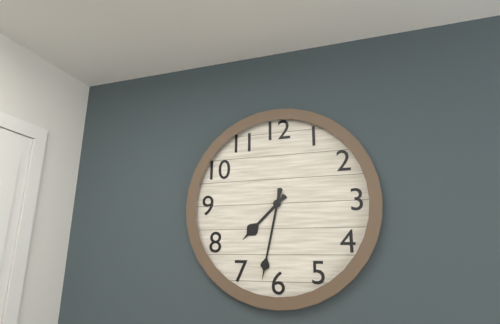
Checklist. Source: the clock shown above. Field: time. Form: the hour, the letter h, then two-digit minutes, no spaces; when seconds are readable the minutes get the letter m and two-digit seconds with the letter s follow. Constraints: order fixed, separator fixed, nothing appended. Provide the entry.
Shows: 7h32
